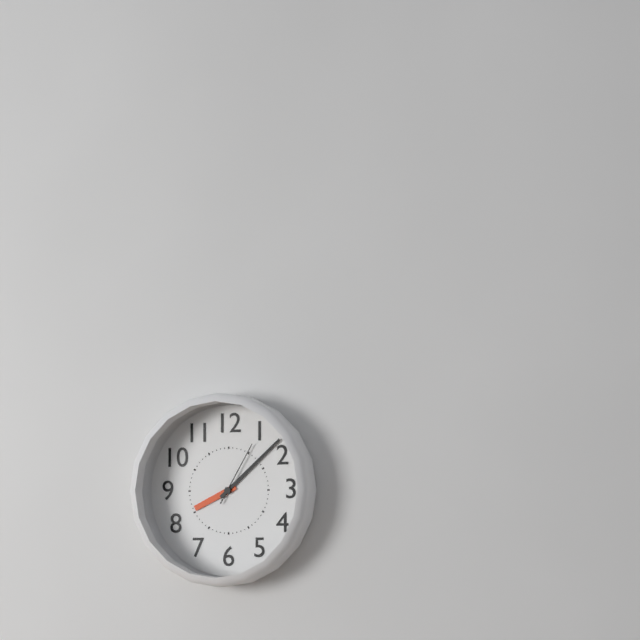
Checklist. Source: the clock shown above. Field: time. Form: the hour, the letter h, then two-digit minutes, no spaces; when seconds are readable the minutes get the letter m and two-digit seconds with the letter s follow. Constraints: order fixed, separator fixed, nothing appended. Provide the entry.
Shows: 8h08m05s
